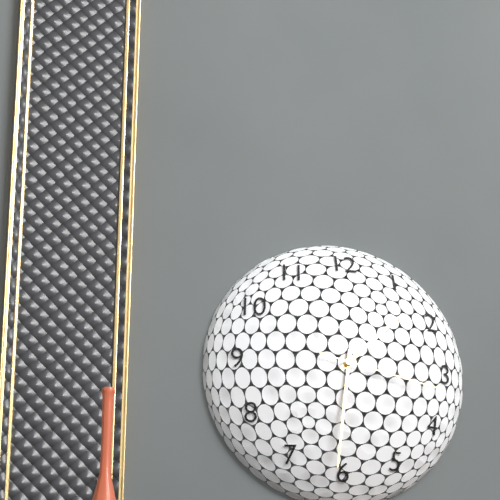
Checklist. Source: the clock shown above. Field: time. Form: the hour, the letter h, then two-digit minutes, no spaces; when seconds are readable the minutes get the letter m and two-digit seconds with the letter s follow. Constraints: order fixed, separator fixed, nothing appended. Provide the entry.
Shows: 1h31m17s
